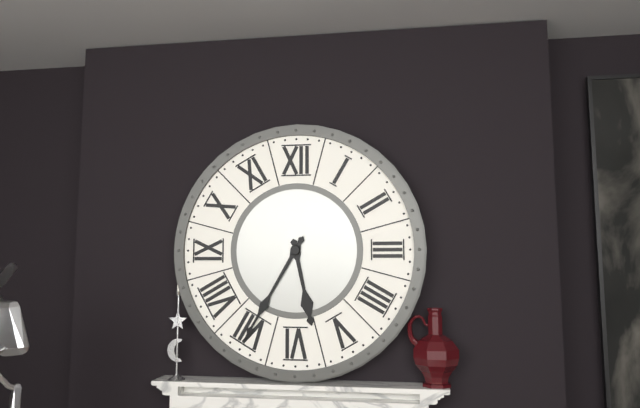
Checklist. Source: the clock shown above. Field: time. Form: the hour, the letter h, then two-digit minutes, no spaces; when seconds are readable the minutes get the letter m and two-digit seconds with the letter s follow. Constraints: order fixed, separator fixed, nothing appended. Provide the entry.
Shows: 5h35
